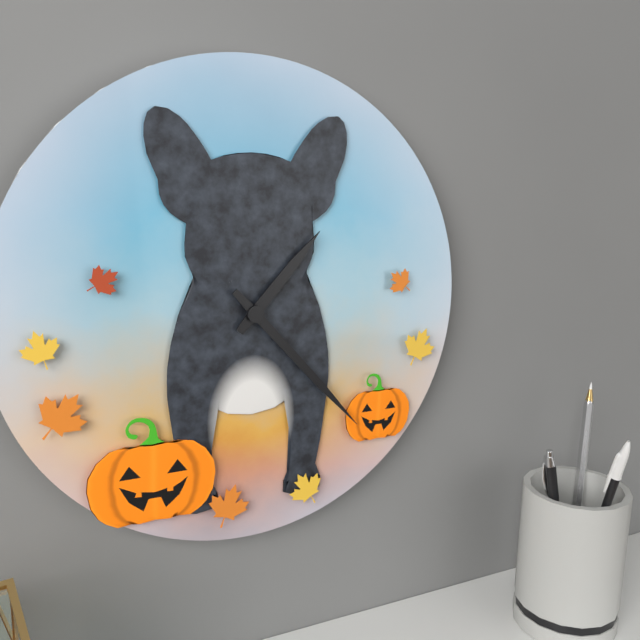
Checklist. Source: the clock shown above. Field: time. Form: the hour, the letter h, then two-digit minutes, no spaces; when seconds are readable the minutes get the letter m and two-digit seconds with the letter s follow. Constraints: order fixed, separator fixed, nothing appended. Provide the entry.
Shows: 1h23
